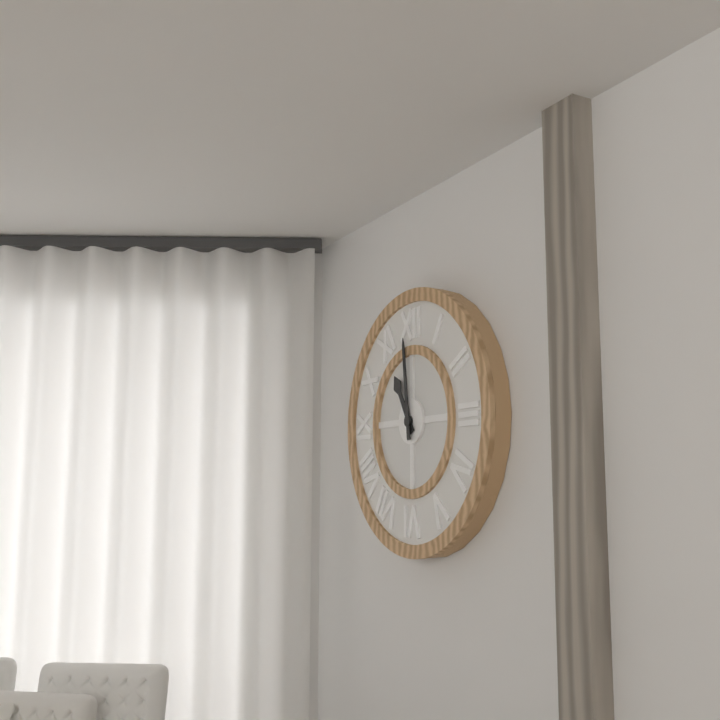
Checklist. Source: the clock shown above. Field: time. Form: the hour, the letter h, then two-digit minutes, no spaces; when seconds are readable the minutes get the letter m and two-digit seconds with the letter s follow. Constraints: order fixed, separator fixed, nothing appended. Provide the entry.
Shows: 10h59
